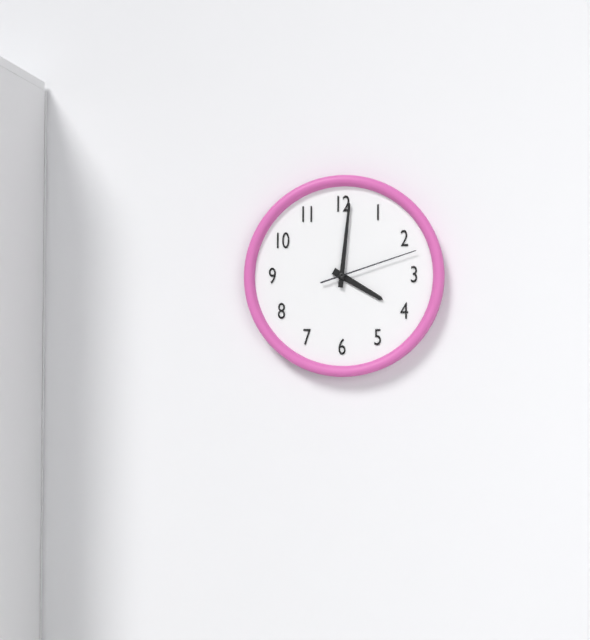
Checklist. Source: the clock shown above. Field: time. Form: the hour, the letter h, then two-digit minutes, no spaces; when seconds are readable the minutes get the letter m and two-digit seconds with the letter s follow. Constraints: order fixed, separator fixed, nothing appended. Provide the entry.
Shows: 4h01m12s
